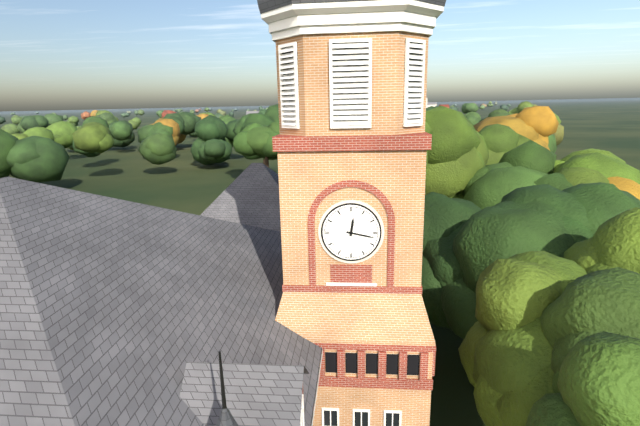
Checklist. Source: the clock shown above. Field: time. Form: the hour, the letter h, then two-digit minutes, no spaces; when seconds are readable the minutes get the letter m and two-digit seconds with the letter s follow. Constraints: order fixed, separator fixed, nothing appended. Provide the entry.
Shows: 12h17
